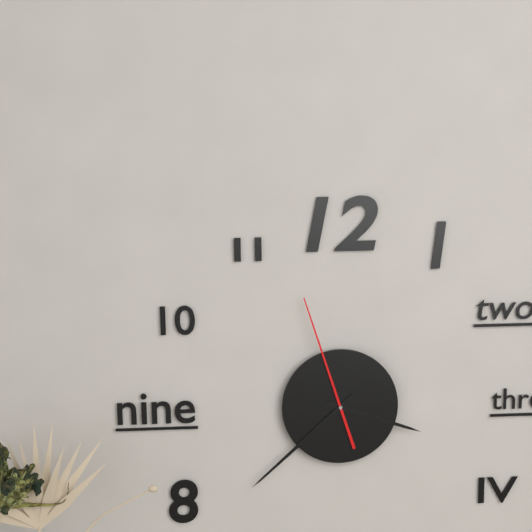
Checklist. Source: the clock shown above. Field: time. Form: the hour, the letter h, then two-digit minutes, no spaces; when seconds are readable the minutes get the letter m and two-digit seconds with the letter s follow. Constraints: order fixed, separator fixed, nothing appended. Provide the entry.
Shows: 3h38m57s
